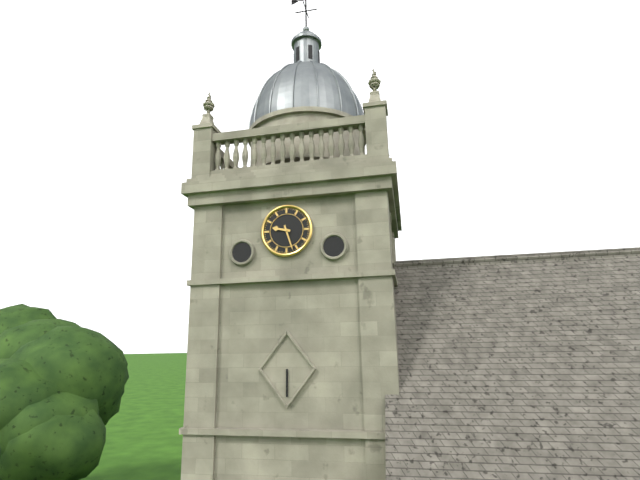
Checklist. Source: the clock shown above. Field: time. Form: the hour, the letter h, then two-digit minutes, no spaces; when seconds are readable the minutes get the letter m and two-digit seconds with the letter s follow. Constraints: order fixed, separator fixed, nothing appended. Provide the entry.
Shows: 9h27
